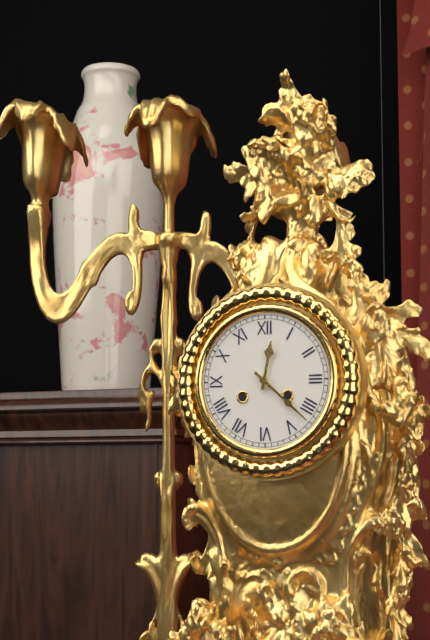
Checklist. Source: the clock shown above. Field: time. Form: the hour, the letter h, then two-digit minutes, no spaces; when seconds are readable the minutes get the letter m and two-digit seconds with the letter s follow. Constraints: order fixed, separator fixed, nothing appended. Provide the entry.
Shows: 12h22
